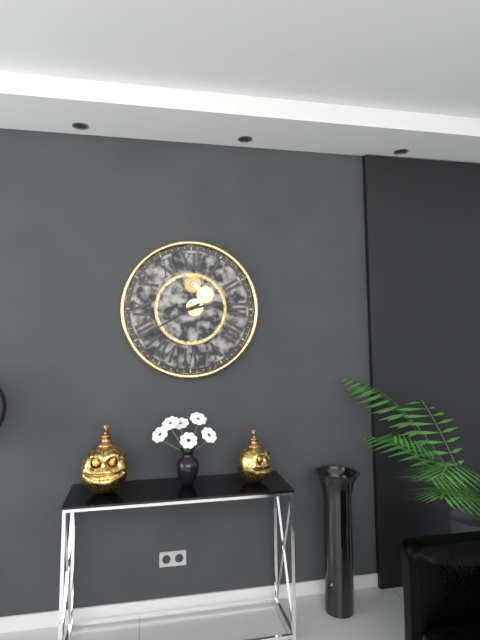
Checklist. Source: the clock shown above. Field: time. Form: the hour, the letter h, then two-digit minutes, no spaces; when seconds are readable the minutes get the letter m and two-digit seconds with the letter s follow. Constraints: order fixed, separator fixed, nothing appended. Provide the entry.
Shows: 2h40
